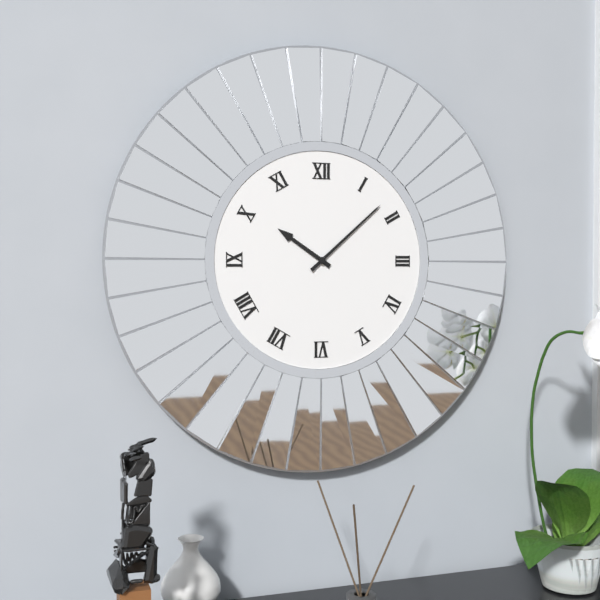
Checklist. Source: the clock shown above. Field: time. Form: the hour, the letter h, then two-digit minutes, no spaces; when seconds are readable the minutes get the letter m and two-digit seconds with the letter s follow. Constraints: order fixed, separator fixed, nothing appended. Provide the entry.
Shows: 10h08
